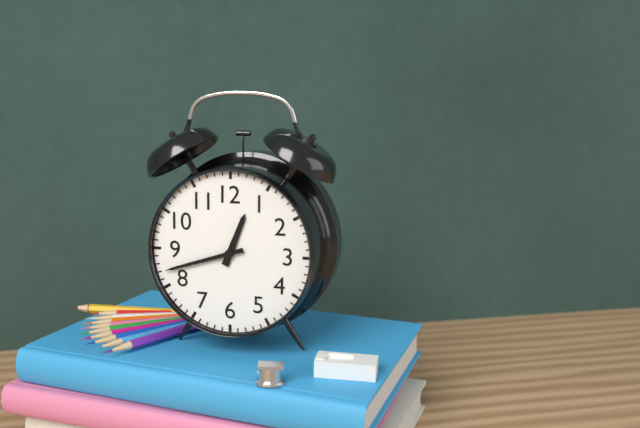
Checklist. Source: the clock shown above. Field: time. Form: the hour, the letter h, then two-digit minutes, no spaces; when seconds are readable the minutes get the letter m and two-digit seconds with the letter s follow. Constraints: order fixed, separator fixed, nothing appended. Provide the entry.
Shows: 12h42
